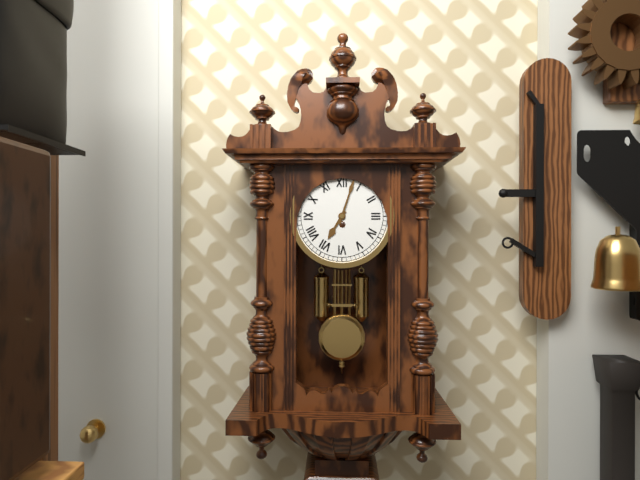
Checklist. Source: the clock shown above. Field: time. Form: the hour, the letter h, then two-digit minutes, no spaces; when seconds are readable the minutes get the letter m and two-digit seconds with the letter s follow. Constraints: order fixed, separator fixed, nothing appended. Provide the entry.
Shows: 7h03
